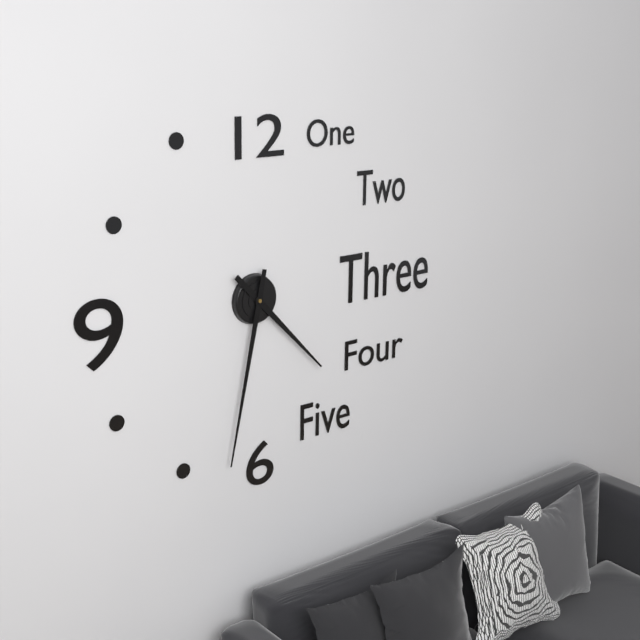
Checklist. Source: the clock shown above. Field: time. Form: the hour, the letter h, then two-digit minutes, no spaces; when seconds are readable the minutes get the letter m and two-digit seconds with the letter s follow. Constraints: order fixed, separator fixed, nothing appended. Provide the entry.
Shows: 4h32
